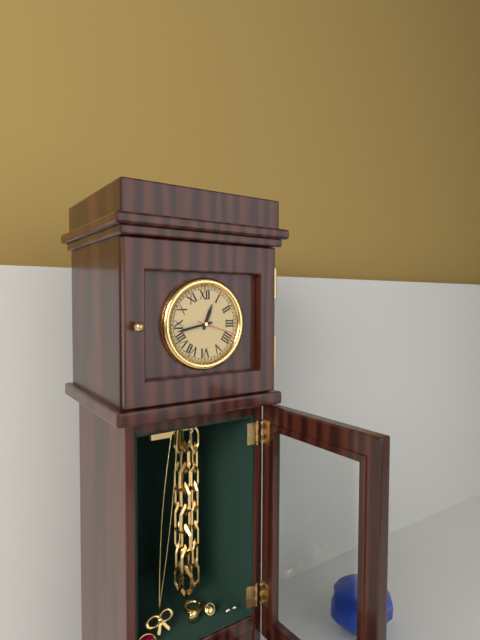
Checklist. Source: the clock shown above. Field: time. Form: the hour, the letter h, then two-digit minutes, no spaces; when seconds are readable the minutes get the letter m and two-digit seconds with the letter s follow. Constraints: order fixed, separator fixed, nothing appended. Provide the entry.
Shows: 12h43
